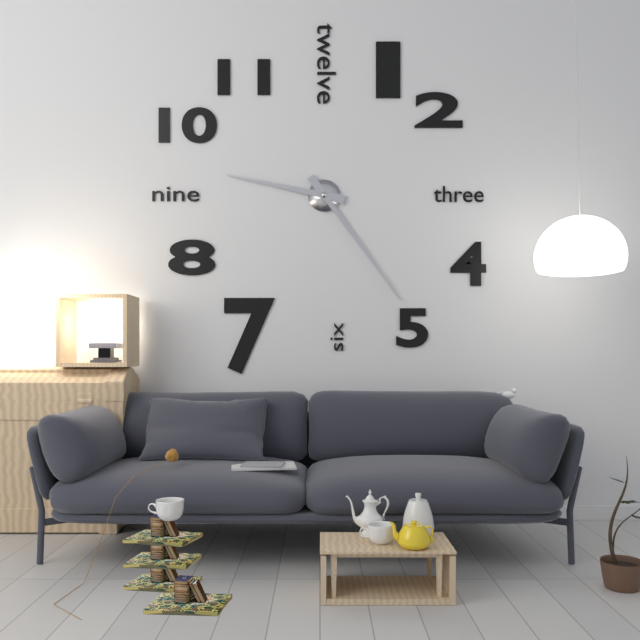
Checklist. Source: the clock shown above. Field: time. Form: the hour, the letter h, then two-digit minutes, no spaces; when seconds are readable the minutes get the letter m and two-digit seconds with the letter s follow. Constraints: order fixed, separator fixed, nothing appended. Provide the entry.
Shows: 9h24
